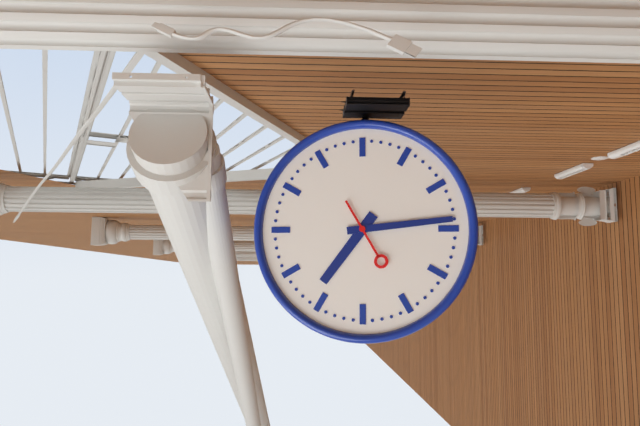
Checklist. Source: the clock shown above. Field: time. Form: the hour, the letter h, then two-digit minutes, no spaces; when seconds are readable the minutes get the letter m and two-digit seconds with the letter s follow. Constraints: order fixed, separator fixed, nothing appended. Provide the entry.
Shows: 7h14m25s
